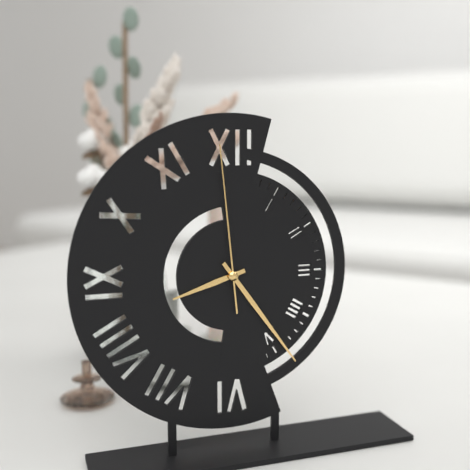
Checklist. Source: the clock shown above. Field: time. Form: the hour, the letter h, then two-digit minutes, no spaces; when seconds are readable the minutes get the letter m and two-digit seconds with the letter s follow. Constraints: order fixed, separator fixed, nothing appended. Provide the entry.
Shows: 8h24m59s
